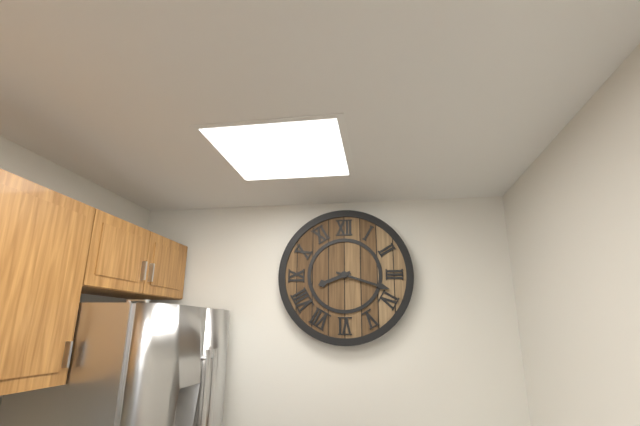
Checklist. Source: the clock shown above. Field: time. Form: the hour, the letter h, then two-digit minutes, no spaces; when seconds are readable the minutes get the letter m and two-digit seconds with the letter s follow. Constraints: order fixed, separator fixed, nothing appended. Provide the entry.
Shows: 8h18
